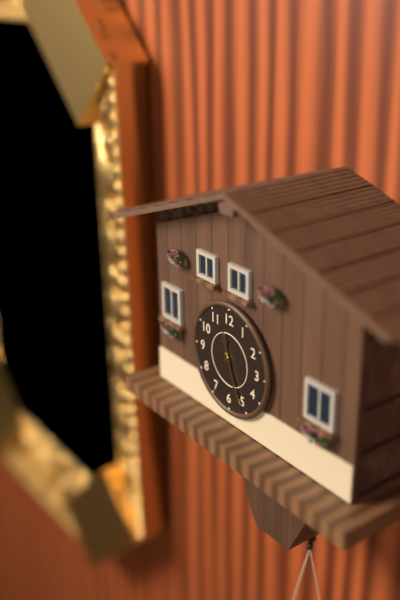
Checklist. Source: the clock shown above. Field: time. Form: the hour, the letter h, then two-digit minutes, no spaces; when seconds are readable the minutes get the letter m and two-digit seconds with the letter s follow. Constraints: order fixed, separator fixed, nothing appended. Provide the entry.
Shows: 11h26
